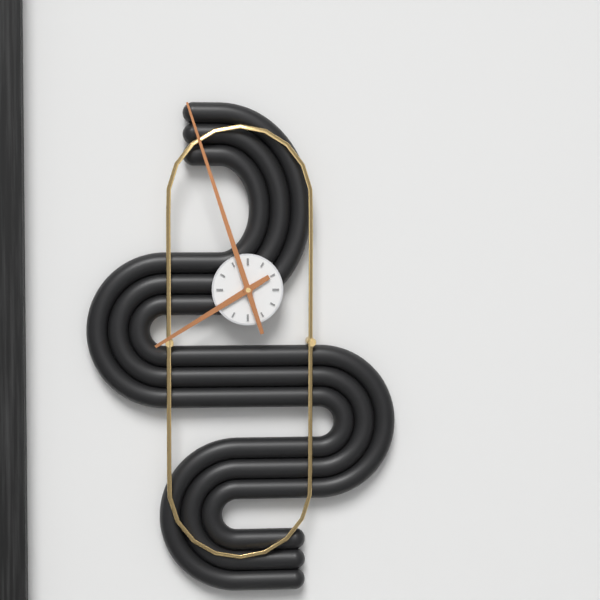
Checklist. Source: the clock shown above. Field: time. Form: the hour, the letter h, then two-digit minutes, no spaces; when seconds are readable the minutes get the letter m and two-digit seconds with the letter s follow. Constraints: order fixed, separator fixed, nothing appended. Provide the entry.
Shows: 7h57
